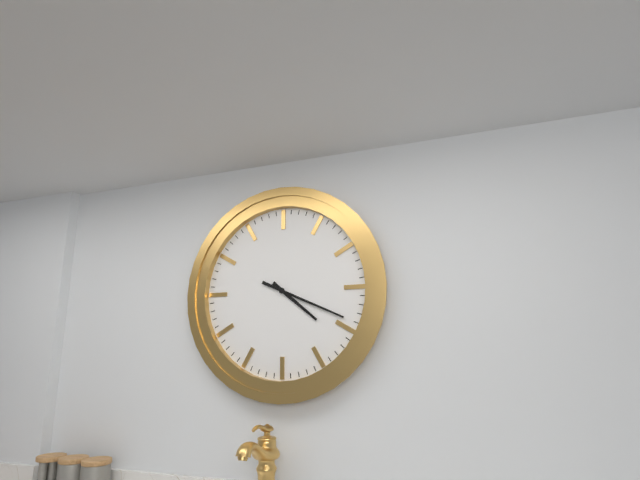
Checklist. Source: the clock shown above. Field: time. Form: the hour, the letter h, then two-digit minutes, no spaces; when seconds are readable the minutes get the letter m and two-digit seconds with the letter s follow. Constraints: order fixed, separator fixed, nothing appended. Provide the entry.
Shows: 4h19
